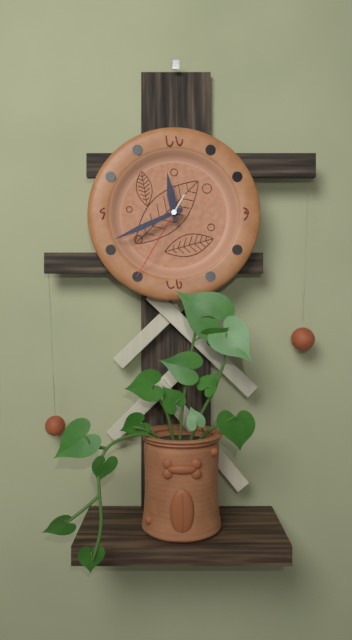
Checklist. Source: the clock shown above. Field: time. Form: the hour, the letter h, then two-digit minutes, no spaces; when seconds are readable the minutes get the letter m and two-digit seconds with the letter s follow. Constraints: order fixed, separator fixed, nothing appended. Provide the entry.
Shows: 11h41m35s
